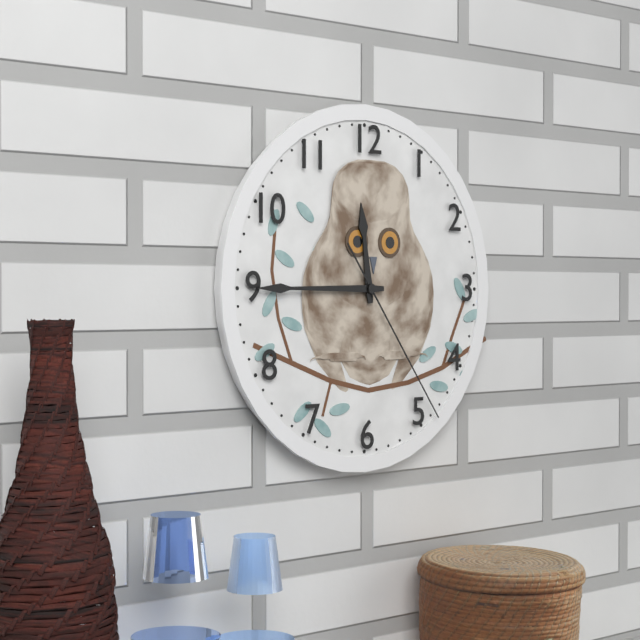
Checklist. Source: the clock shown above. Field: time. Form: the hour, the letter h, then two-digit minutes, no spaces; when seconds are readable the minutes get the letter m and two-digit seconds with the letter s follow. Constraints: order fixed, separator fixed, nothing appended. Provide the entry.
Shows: 11h45m24s
